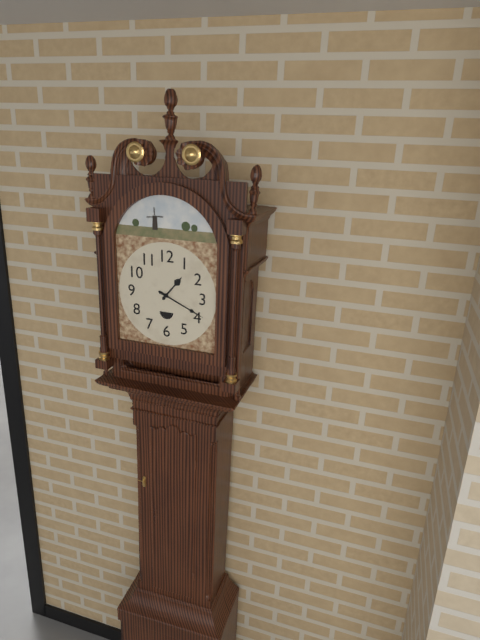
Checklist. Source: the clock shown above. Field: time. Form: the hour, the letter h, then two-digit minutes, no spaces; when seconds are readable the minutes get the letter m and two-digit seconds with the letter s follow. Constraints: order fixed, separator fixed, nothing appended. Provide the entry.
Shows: 1h19
